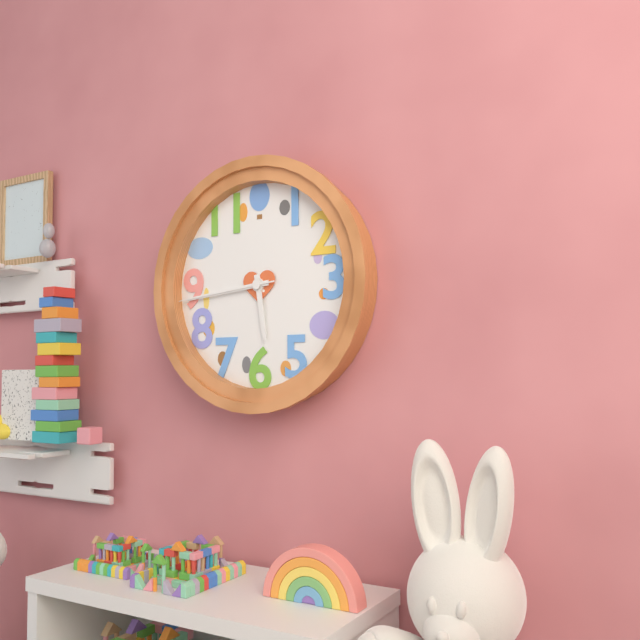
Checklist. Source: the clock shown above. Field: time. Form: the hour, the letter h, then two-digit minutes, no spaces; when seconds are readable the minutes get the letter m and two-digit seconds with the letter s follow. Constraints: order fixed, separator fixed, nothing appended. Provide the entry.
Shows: 5h44m44s
